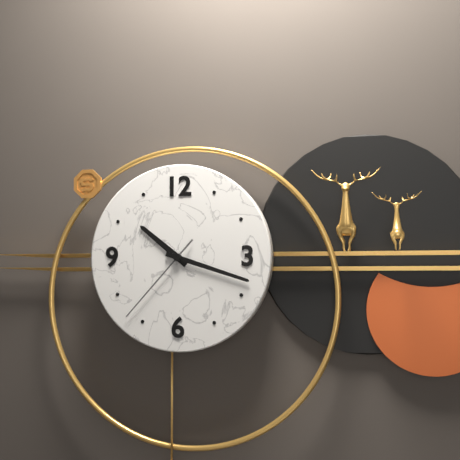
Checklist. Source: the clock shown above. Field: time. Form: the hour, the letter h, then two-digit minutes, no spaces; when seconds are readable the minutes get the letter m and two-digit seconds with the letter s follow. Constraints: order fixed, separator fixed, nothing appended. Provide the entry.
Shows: 10h18m37s
